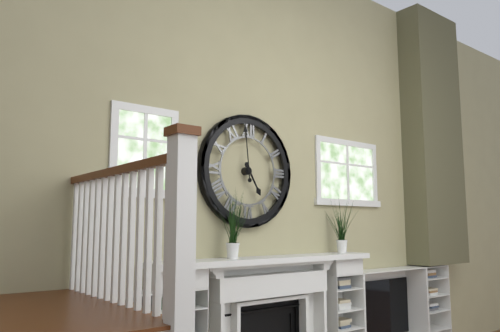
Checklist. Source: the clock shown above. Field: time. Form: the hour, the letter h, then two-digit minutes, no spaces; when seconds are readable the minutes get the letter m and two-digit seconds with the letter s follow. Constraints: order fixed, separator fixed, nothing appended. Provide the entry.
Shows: 4h59
